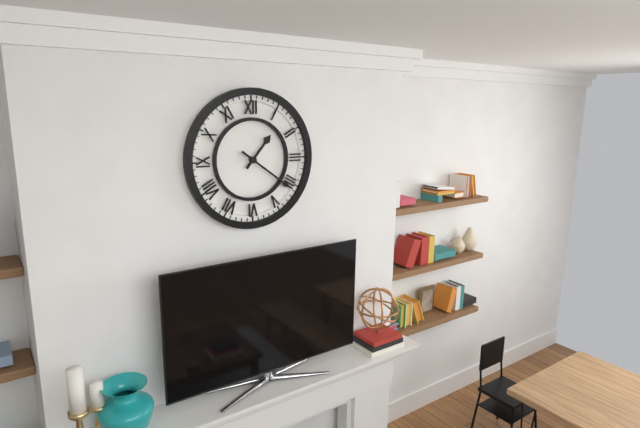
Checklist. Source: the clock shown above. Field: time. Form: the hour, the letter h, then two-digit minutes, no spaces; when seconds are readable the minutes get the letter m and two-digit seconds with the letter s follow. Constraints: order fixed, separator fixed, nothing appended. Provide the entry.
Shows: 1h21
